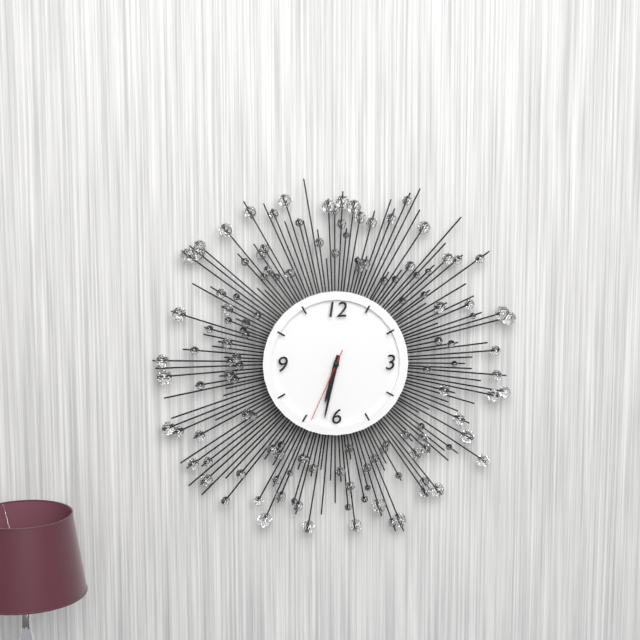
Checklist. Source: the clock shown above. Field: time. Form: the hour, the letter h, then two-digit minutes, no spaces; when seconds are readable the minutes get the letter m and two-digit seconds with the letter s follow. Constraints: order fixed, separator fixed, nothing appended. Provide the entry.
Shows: 6h32m34s
